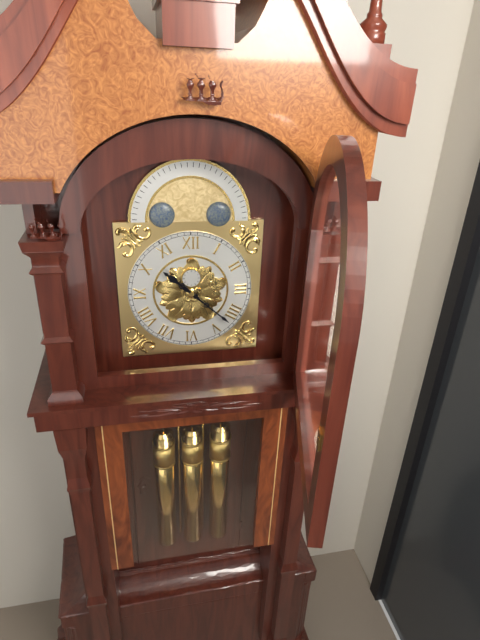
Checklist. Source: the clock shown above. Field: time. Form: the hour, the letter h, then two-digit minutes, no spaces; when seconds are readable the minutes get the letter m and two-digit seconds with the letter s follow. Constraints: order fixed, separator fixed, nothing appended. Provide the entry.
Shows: 10h22
